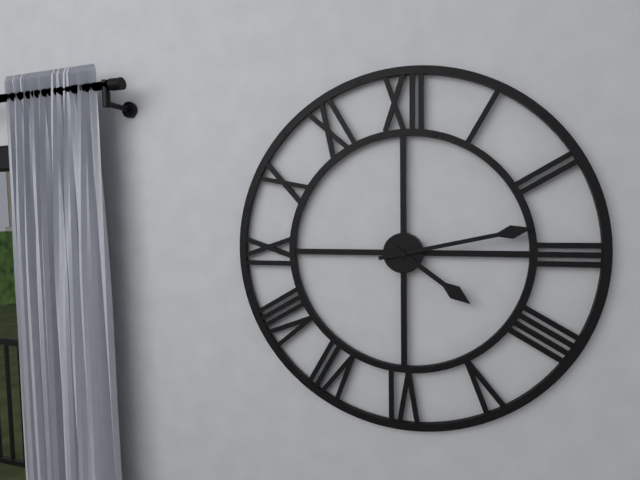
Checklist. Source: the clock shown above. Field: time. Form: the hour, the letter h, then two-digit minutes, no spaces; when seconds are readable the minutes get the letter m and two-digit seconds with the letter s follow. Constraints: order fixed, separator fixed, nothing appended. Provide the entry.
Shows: 4h13
